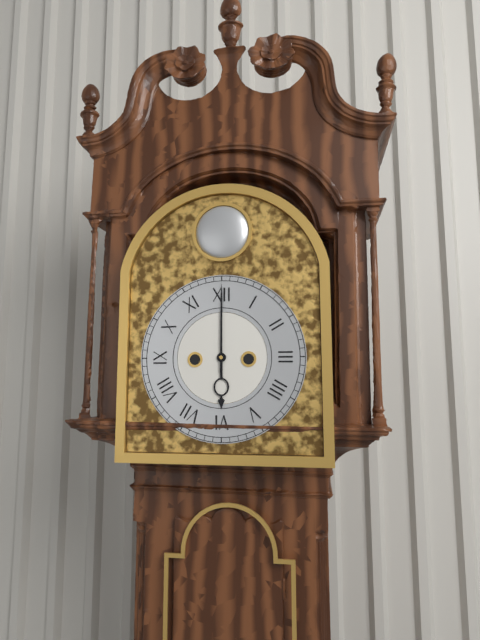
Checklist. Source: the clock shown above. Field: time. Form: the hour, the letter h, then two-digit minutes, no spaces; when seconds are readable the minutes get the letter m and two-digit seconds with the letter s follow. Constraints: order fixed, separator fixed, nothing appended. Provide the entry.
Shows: 6h00
